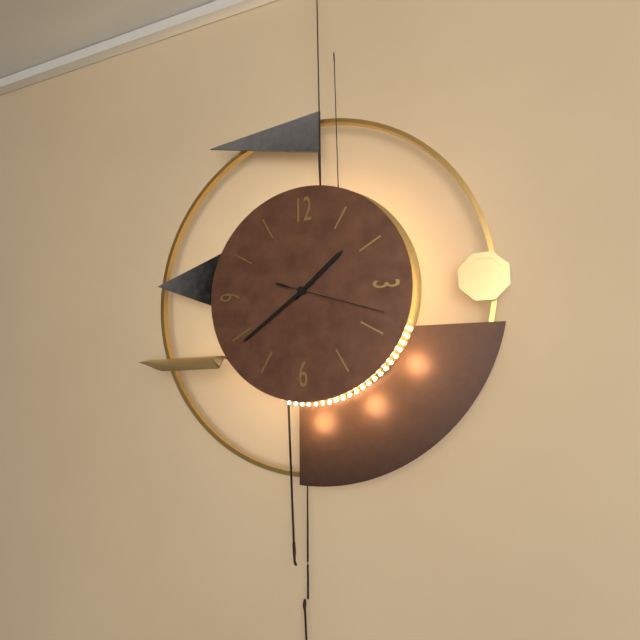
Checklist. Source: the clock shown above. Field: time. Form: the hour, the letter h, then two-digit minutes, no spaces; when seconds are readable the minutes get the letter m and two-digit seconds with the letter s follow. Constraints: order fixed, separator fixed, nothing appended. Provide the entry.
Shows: 1h39m18s
